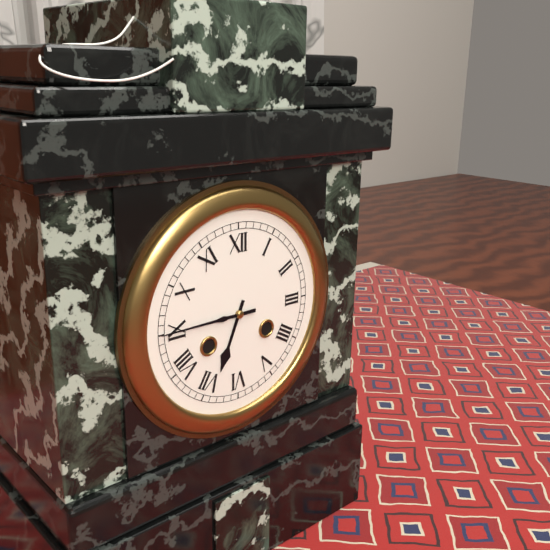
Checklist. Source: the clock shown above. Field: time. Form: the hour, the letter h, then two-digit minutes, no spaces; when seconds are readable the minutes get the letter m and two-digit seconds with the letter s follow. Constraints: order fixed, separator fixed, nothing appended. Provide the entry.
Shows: 6h45
